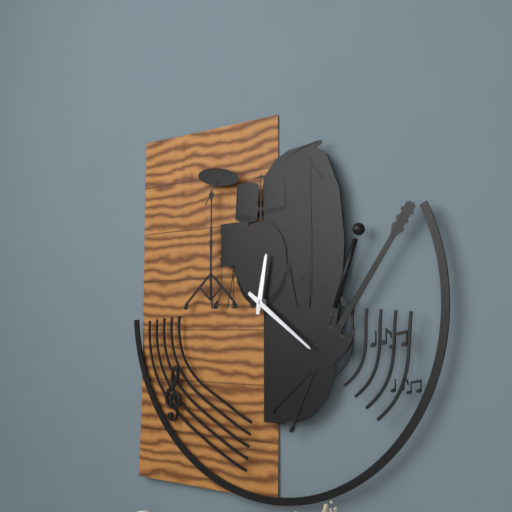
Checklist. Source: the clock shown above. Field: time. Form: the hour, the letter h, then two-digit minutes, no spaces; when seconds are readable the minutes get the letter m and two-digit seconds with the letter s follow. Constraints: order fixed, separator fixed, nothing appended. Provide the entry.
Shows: 12h21
